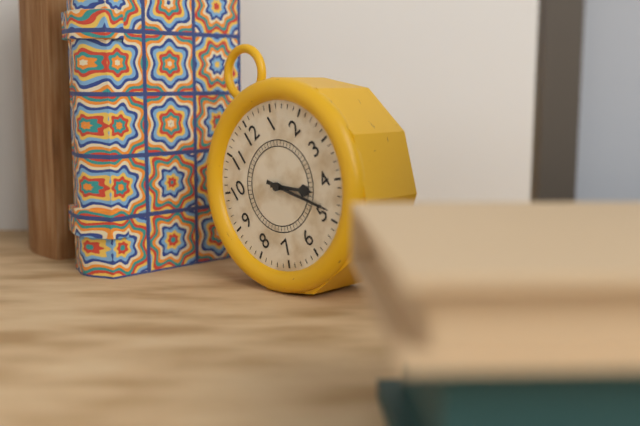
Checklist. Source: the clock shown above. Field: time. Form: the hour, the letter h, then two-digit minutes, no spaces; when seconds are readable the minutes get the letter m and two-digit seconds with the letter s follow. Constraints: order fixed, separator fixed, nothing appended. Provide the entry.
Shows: 4h24
